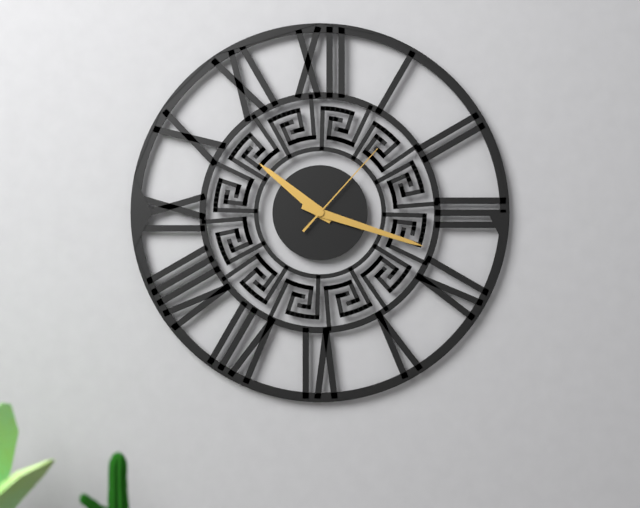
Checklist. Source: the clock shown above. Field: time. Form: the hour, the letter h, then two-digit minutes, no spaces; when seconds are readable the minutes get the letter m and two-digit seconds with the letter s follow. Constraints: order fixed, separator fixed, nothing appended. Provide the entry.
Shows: 10h18m07s
